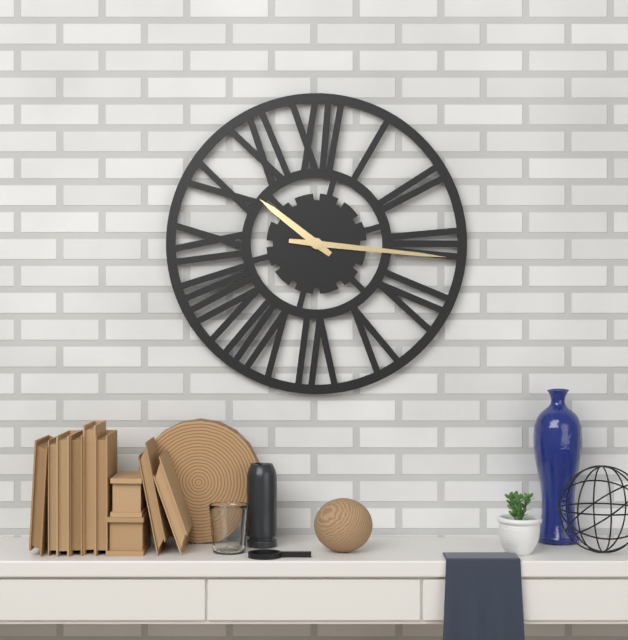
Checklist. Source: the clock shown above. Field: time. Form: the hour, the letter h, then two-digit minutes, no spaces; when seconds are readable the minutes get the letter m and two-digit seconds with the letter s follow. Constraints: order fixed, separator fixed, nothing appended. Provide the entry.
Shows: 10h16
